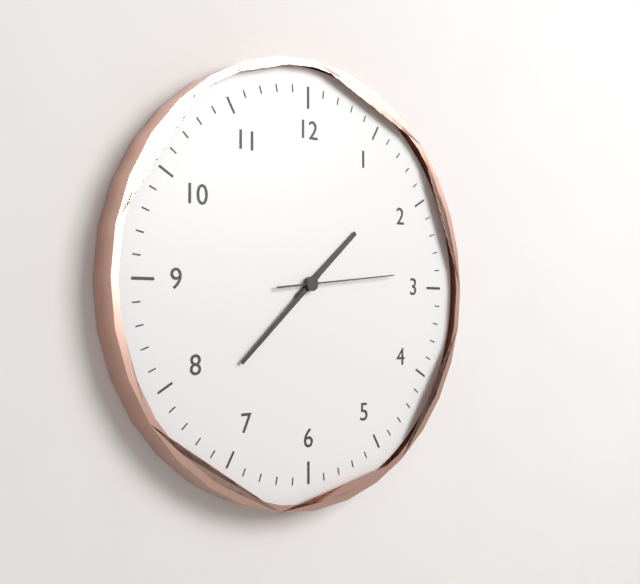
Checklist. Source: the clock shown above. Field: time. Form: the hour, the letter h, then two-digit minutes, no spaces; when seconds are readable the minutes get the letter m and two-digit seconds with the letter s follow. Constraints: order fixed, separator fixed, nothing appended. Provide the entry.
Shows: 1h38m14s
